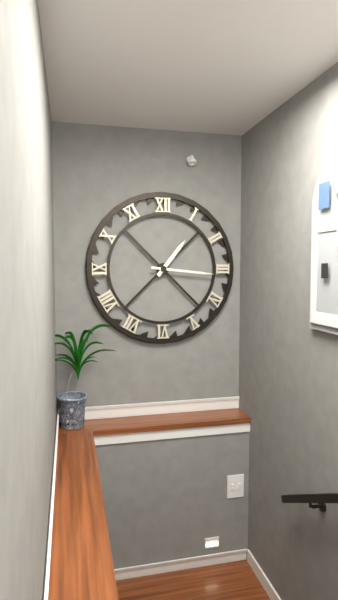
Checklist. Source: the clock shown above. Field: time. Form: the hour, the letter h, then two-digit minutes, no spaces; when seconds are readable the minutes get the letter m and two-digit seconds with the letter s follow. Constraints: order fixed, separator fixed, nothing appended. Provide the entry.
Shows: 1h16
